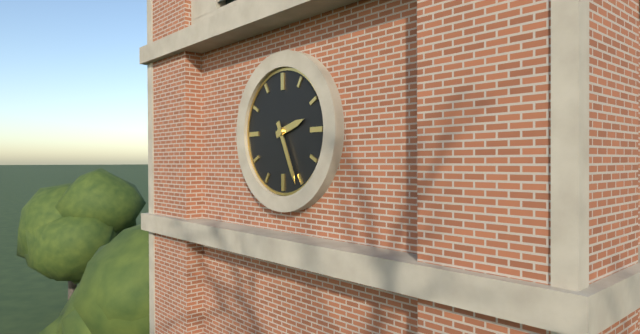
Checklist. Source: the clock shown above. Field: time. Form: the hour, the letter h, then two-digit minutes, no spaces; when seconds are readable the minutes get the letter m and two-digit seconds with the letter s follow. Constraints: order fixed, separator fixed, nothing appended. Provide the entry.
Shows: 2h26
